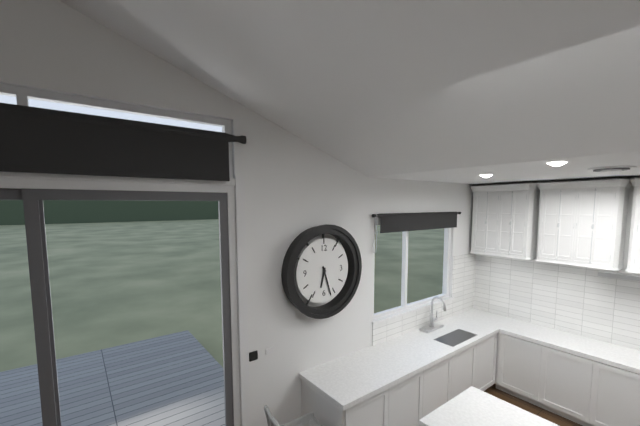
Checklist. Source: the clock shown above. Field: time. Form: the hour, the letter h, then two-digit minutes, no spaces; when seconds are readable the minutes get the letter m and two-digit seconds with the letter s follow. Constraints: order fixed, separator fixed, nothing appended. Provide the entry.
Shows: 6h27
